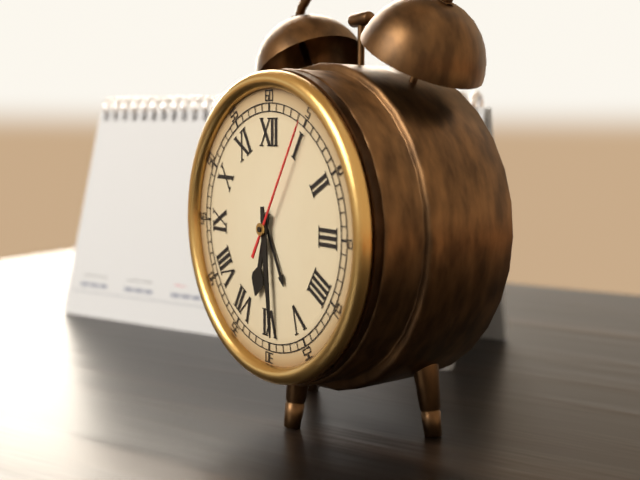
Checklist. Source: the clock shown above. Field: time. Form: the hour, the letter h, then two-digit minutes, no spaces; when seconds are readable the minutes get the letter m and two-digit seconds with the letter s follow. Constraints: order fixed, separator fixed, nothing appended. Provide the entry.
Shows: 6h29m05s
